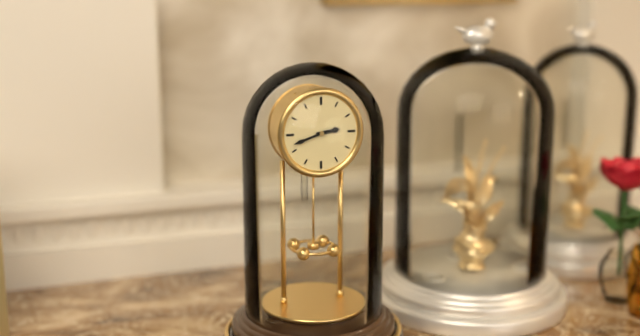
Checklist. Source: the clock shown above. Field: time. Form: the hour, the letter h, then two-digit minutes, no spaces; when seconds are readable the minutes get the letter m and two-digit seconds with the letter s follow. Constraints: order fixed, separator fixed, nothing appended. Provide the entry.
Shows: 2h42
